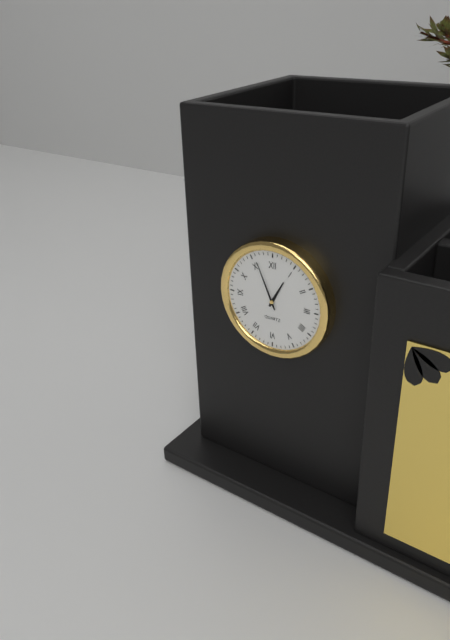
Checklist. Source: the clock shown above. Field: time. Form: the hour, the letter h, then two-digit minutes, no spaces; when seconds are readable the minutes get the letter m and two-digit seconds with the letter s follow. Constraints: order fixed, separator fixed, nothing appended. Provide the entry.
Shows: 12h56
